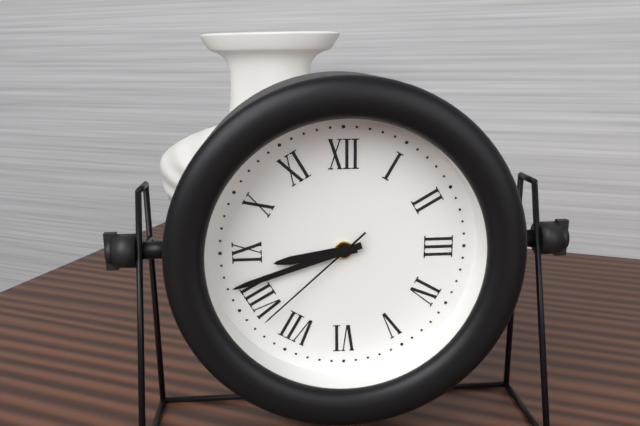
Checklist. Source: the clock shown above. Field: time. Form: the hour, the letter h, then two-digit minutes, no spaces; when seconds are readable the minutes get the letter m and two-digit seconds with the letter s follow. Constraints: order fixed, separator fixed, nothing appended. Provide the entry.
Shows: 8h42m38s
